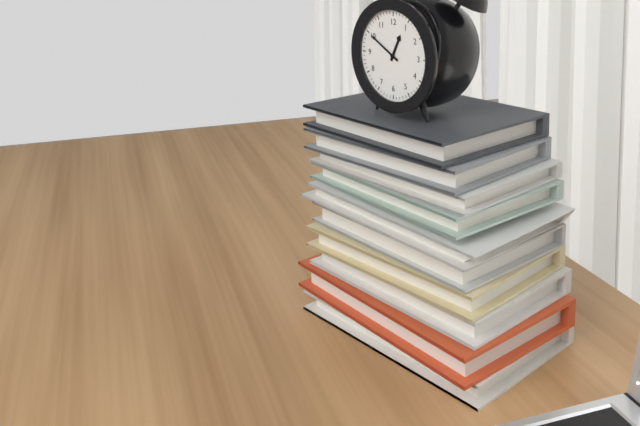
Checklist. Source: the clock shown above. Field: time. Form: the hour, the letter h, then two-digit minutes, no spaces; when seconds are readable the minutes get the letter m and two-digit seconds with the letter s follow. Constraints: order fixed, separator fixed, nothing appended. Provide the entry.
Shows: 12h50
